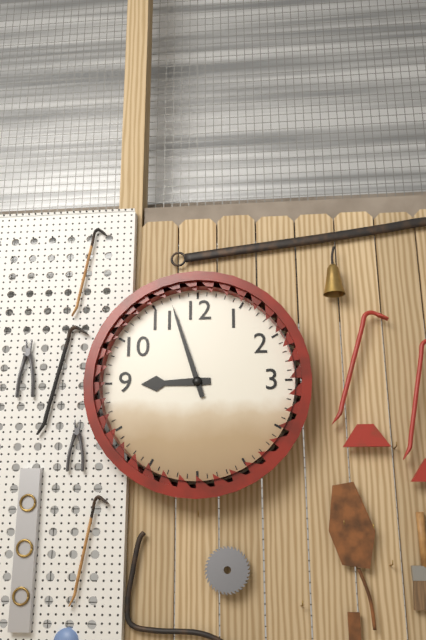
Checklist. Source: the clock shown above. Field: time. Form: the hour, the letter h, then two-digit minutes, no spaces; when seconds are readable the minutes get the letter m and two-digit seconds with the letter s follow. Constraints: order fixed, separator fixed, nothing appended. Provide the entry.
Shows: 8h57
